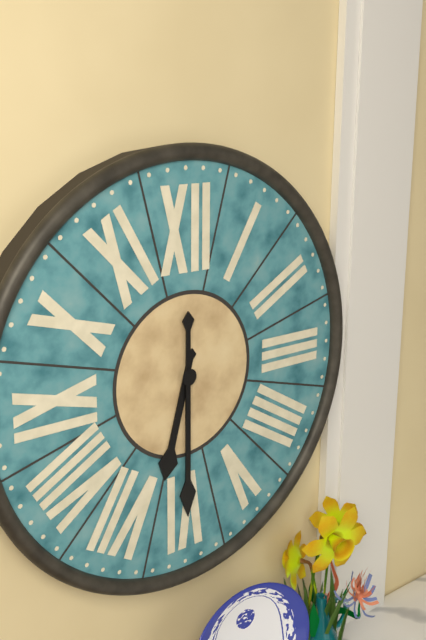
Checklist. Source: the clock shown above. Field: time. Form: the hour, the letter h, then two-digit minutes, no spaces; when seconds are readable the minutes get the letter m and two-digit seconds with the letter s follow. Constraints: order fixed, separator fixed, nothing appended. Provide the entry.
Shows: 6h30
